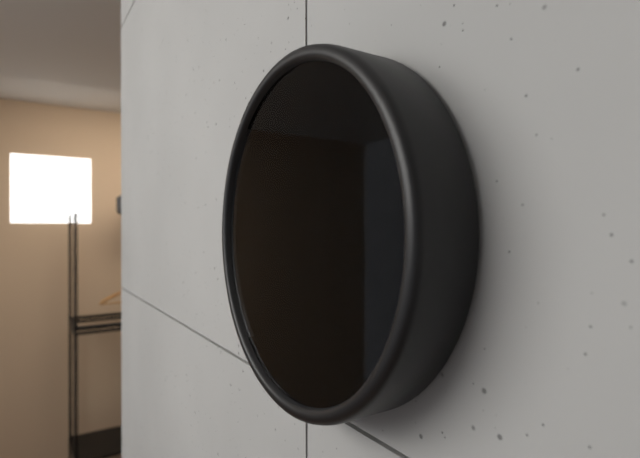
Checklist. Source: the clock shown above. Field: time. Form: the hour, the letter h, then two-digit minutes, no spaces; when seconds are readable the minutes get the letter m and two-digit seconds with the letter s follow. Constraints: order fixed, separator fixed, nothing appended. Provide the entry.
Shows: 3h41
